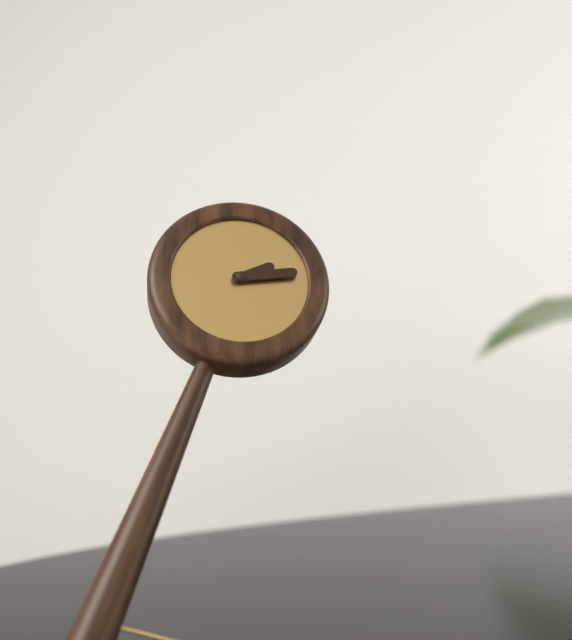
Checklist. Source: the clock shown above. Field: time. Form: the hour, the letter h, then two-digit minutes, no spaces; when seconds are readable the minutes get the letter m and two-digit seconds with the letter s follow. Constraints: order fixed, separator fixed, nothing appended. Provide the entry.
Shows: 2h14
